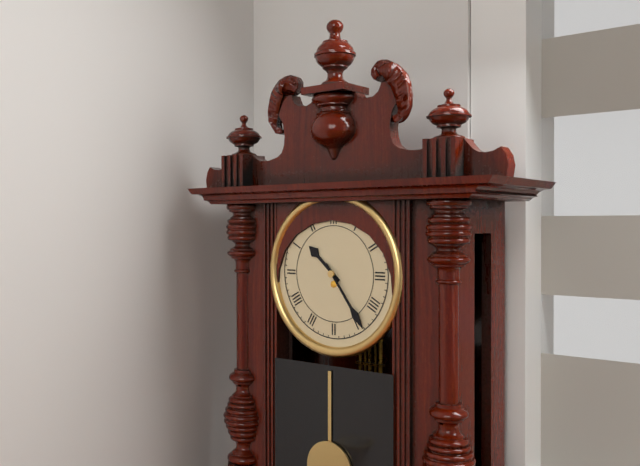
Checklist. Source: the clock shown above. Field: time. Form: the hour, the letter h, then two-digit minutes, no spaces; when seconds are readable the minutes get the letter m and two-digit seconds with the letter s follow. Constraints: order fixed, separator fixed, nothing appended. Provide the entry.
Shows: 10h24
